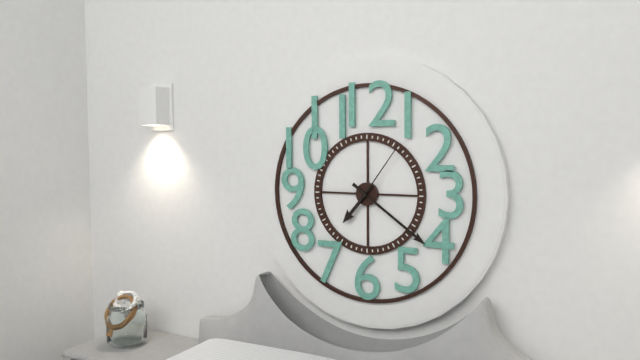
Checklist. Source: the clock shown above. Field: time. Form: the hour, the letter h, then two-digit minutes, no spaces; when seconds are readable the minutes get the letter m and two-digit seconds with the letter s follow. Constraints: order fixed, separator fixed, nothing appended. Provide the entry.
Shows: 7h21m06s
